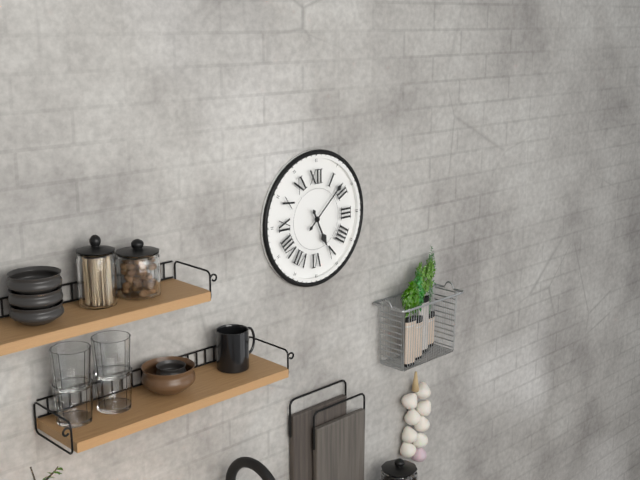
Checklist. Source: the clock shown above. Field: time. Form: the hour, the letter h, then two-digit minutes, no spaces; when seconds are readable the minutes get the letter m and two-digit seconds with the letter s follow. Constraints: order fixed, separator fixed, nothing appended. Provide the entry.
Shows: 5h08
